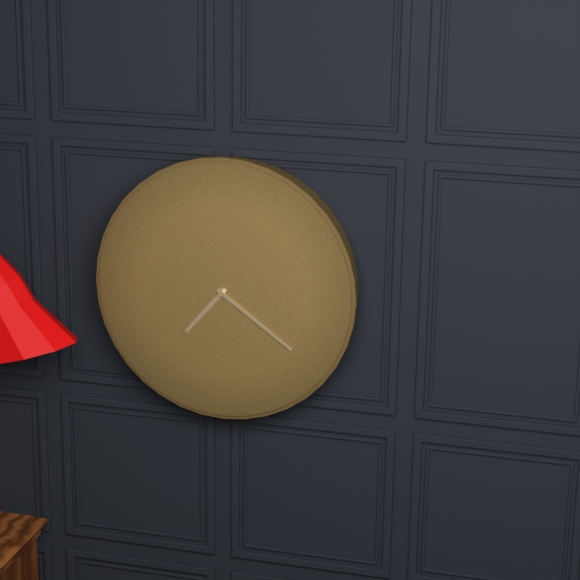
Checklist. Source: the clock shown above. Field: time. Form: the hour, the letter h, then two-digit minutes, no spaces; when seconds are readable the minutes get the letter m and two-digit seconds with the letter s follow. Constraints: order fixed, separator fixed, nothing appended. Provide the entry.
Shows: 7h21
